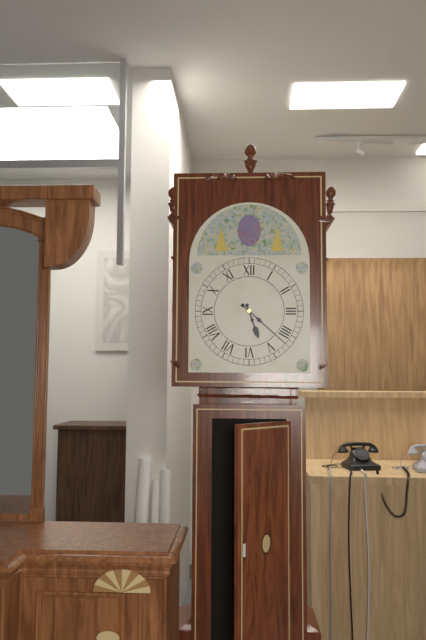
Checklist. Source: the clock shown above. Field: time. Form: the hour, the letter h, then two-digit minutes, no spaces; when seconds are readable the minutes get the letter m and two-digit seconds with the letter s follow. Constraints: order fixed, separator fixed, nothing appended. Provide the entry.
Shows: 5h22
